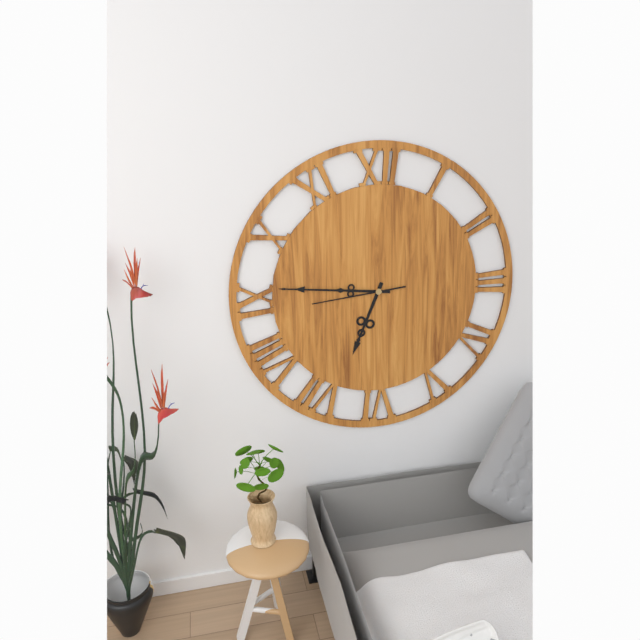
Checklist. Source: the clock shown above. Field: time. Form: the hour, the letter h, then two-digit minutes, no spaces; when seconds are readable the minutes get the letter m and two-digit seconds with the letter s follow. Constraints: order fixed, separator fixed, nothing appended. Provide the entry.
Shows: 6h46m44s
